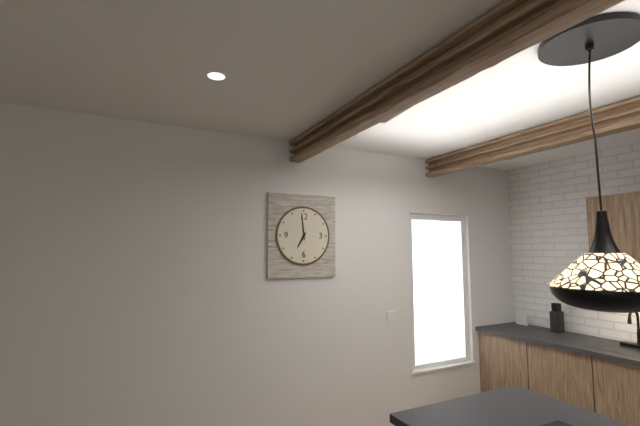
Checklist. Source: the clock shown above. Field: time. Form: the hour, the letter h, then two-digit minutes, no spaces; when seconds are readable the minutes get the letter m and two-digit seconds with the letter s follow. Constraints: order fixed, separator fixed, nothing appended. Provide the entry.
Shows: 6h59
